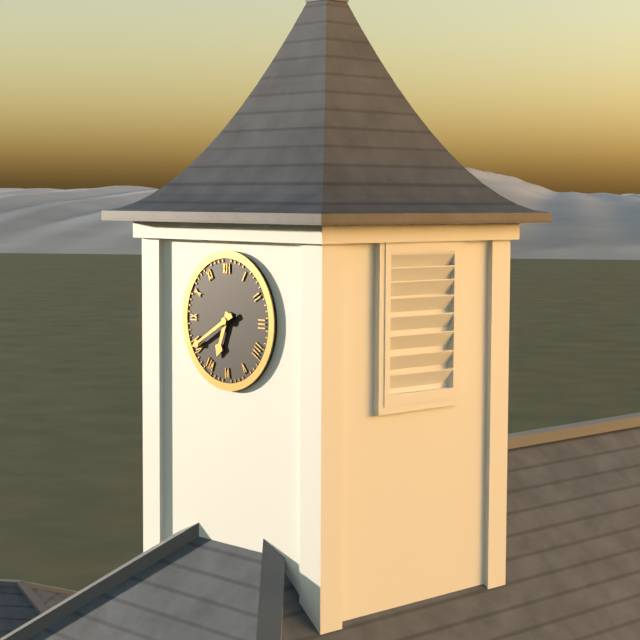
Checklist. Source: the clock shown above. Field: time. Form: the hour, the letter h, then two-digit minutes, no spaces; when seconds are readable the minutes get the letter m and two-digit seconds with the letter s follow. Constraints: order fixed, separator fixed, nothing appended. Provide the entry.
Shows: 6h40
